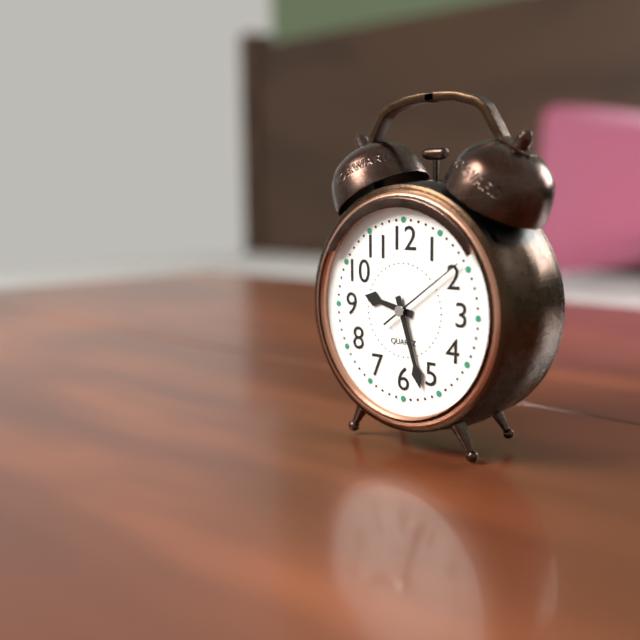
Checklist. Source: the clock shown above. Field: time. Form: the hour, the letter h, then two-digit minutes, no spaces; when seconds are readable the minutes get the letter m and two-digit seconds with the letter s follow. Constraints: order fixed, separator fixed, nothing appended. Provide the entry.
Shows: 9h27m09s
